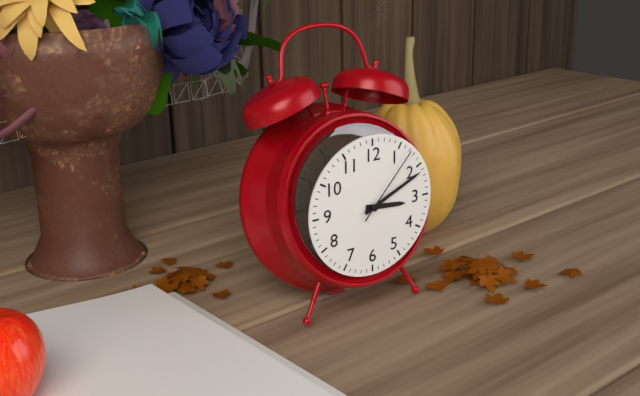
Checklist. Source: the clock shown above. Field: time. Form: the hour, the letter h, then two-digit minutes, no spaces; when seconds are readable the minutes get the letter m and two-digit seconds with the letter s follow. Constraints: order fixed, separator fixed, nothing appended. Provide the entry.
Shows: 3h11m07s
